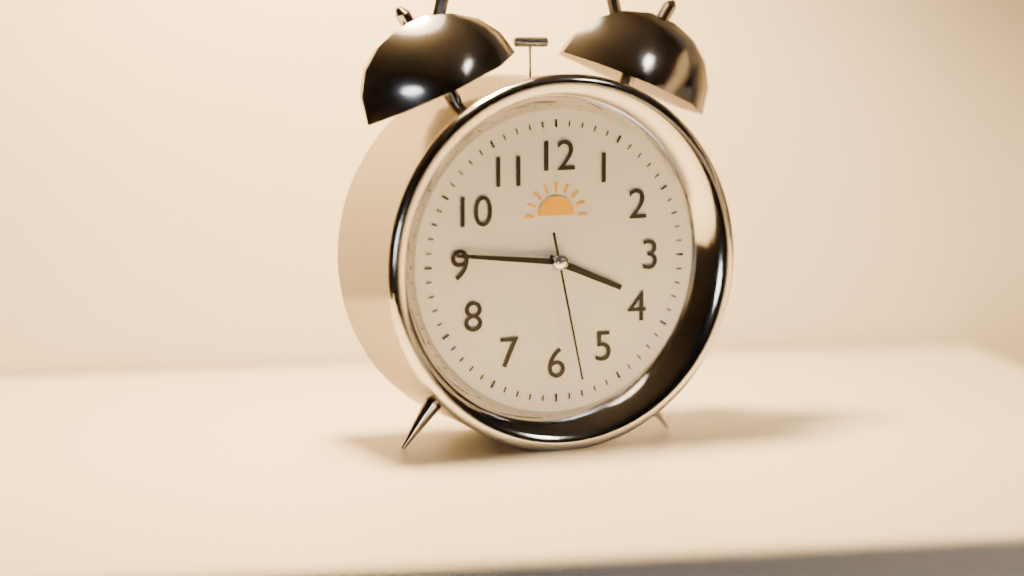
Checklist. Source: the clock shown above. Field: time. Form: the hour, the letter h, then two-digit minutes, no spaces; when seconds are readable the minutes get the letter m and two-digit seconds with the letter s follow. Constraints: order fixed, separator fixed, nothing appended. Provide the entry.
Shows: 3h46m28s
